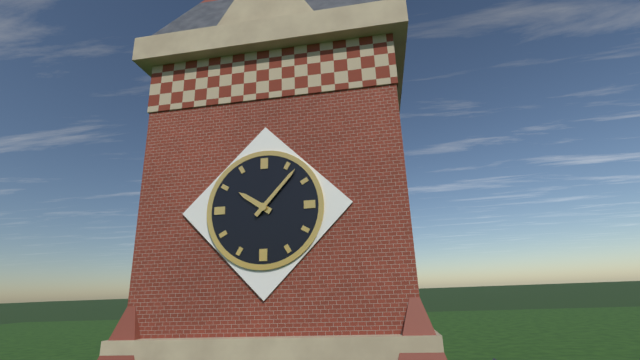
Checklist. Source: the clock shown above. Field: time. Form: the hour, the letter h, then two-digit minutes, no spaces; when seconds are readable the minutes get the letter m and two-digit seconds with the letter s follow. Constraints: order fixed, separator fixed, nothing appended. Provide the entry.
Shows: 10h07
